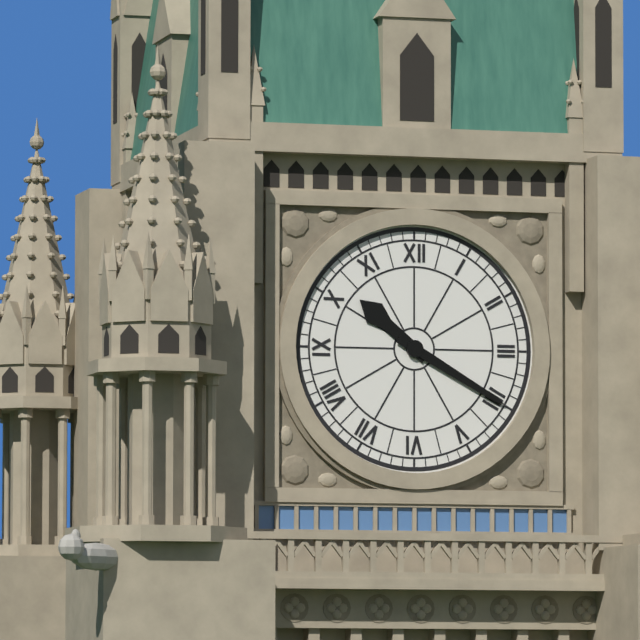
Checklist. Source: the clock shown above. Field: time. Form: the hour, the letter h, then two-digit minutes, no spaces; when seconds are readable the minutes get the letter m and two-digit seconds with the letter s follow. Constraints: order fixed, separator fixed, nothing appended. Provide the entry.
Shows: 10h20
